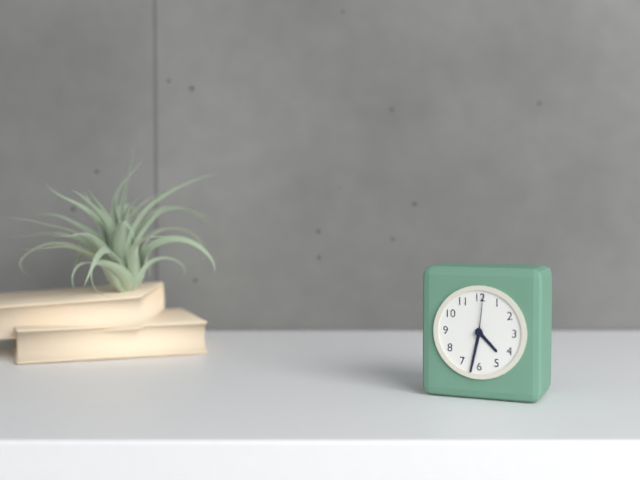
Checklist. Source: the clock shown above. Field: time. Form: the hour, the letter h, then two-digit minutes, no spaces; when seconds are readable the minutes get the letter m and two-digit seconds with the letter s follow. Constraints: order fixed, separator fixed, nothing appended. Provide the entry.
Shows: 4h32
